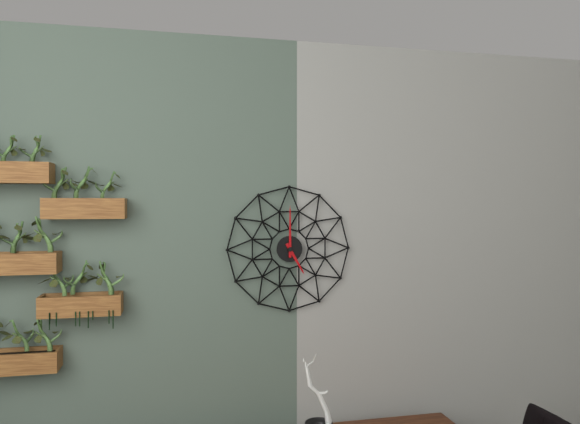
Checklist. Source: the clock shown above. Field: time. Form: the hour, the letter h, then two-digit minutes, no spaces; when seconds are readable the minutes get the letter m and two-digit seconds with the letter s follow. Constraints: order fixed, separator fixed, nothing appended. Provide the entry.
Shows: 5h00
